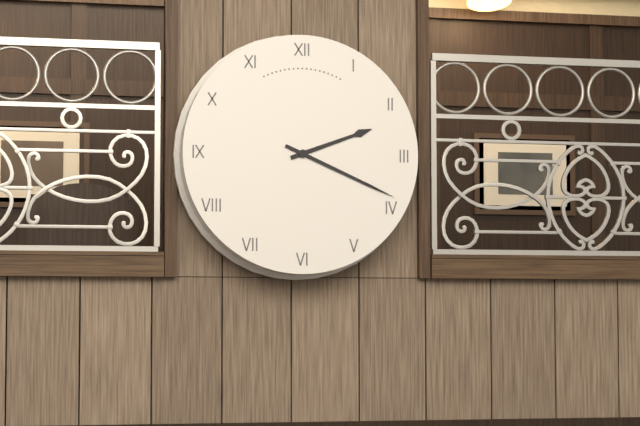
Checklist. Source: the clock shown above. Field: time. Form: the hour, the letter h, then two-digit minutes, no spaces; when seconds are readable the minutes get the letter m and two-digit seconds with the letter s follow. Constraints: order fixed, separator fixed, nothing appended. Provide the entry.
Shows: 2h19
